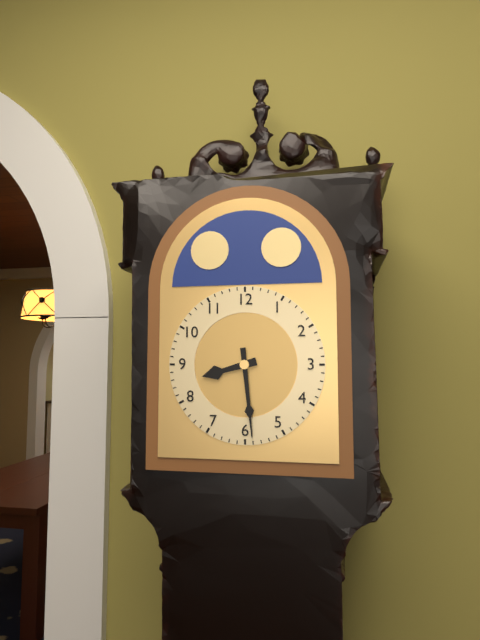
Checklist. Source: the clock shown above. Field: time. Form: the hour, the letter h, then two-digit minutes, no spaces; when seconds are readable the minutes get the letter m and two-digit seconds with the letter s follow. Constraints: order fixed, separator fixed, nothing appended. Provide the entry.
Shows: 8h29
